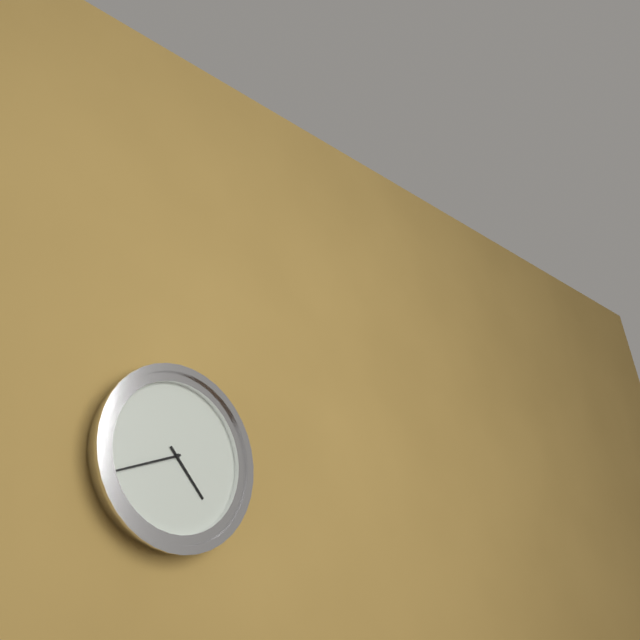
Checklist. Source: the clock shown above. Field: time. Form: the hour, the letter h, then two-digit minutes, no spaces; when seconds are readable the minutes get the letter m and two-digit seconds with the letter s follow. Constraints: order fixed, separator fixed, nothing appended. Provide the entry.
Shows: 4h42
